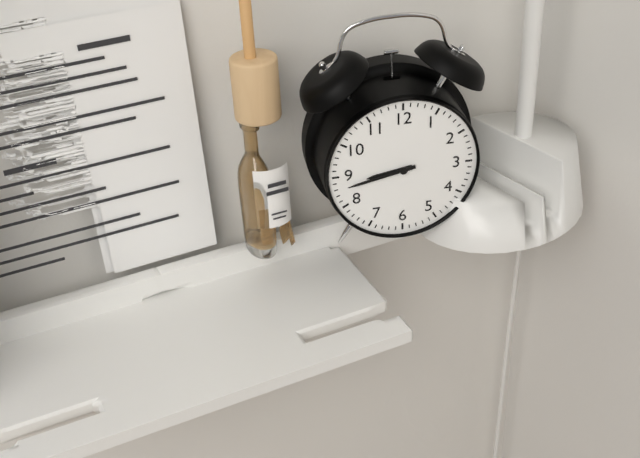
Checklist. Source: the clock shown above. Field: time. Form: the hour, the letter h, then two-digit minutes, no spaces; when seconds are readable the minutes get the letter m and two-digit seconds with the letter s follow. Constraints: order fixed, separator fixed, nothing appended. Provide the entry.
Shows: 8h43
